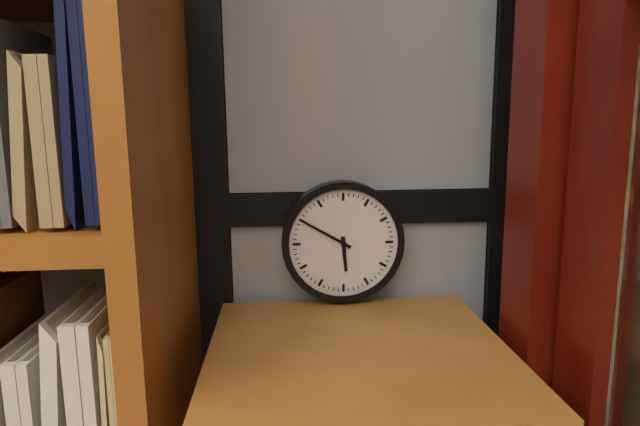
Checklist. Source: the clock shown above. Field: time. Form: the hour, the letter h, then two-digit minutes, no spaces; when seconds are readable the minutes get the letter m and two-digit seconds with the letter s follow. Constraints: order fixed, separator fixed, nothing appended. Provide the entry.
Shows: 5h50
